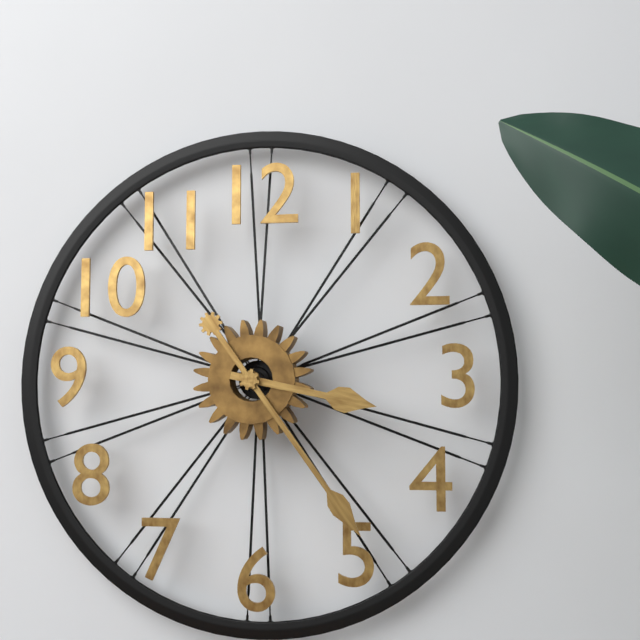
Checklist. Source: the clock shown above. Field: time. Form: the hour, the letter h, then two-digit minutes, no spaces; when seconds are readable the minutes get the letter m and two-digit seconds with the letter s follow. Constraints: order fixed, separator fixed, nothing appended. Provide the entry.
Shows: 3h24
